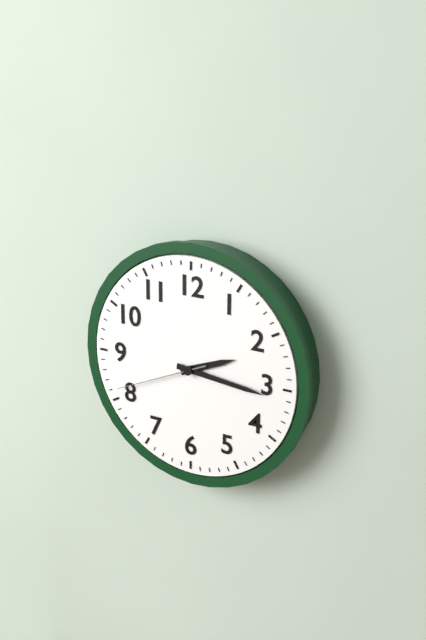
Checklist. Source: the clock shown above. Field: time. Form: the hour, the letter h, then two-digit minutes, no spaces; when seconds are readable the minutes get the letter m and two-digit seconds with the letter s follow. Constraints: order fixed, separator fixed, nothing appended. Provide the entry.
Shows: 2h16m41s
